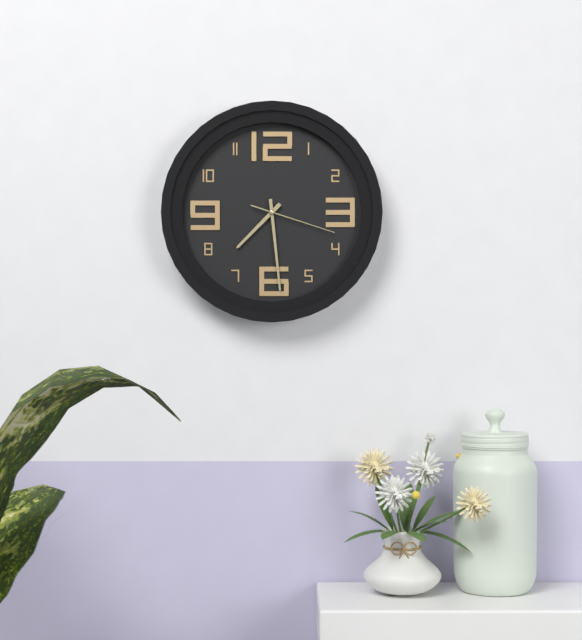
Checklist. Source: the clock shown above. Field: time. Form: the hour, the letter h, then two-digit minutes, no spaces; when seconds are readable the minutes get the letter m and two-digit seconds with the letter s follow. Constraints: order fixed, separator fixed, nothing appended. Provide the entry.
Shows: 7h29m18s
